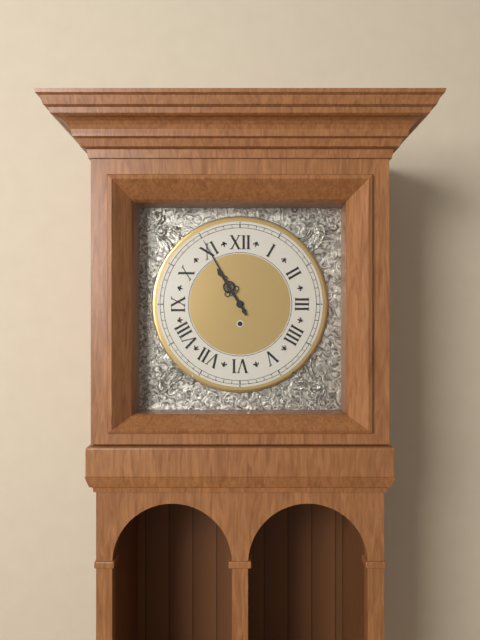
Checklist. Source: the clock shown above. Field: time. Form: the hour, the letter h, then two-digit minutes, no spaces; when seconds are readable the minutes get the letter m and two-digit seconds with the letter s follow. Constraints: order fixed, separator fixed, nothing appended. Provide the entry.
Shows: 10h55
